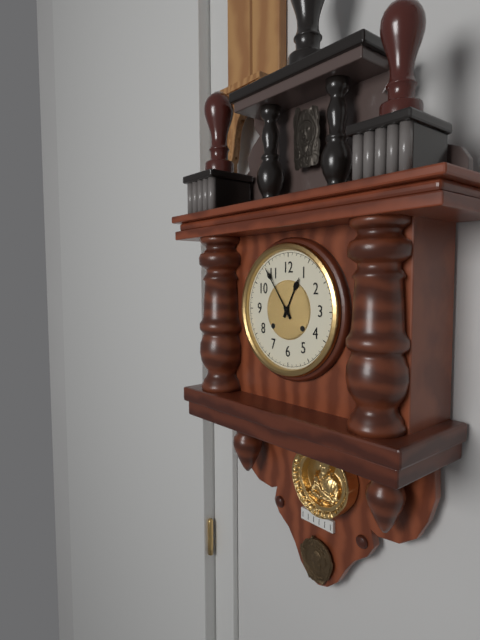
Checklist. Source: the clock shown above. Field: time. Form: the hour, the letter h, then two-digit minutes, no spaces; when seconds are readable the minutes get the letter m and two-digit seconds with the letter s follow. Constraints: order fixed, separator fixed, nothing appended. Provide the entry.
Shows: 12h54
